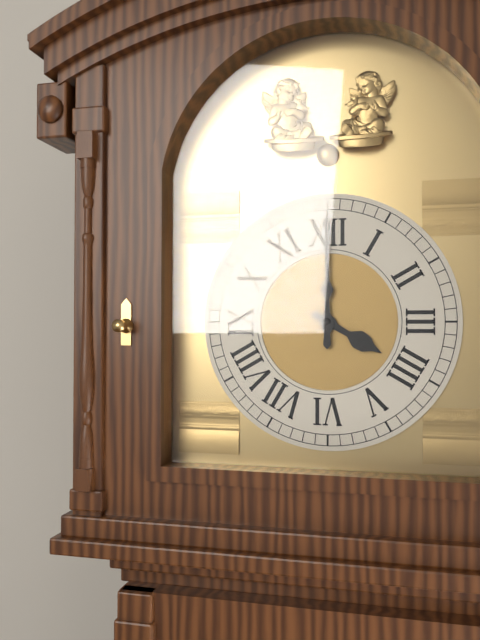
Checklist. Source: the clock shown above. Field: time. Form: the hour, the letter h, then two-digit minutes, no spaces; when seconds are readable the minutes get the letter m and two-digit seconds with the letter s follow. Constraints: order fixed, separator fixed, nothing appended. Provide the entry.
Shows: 4h00
